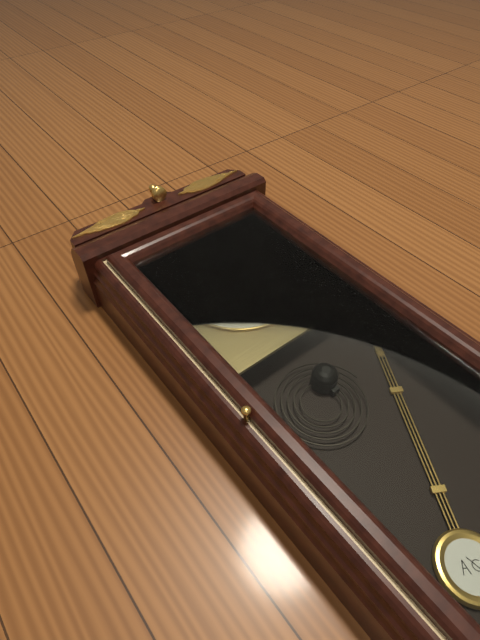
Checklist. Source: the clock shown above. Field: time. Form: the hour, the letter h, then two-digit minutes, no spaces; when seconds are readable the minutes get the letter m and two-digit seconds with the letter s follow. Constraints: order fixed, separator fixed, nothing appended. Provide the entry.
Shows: 11h26
